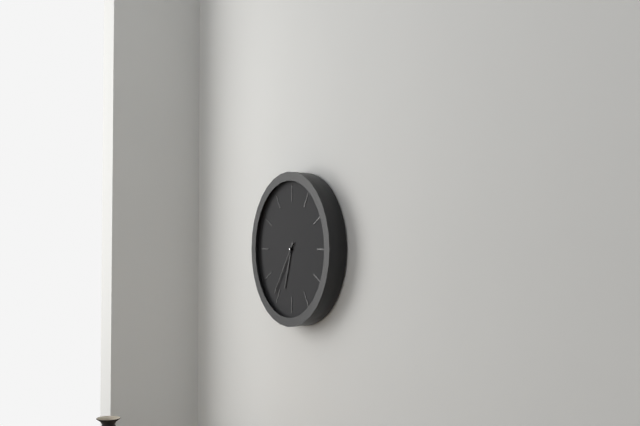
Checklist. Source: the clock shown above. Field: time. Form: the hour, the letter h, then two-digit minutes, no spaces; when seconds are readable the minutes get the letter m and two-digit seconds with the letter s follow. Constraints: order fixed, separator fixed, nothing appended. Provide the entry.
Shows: 6h36
